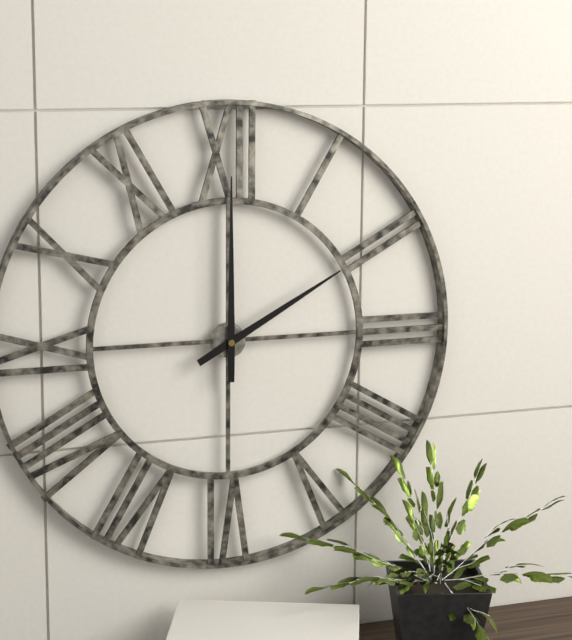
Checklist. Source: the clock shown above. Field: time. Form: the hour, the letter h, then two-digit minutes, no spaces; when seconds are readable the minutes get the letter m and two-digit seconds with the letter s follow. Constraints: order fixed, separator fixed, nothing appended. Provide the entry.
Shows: 2h00
